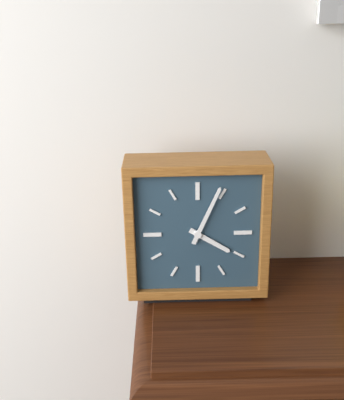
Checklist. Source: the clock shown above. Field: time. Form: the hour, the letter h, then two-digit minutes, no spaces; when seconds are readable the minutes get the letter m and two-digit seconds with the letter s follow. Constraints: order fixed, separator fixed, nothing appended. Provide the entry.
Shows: 4h04
